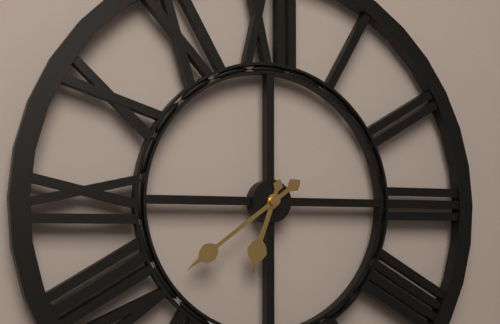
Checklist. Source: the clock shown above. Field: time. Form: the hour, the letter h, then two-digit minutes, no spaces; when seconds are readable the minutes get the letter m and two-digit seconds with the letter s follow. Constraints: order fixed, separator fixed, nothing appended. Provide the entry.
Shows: 6h39
